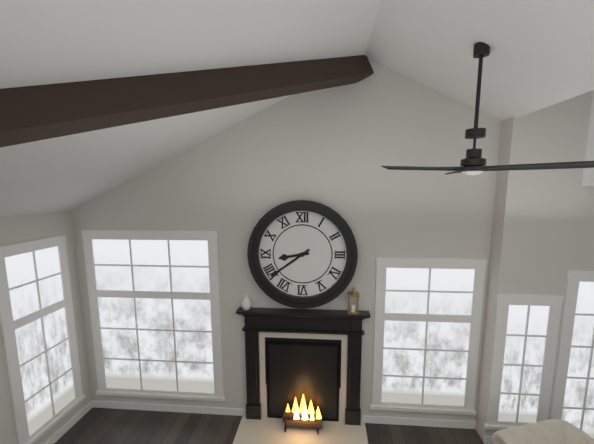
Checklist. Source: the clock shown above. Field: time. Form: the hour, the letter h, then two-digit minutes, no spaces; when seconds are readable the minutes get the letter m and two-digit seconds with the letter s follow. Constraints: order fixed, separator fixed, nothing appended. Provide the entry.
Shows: 8h39
